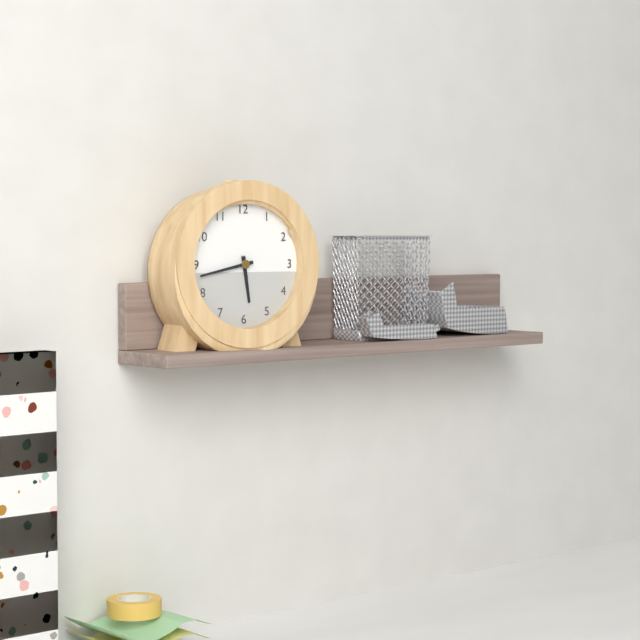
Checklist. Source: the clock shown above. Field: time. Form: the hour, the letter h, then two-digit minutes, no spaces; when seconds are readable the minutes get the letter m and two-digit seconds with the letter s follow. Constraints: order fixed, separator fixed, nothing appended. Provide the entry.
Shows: 5h43
